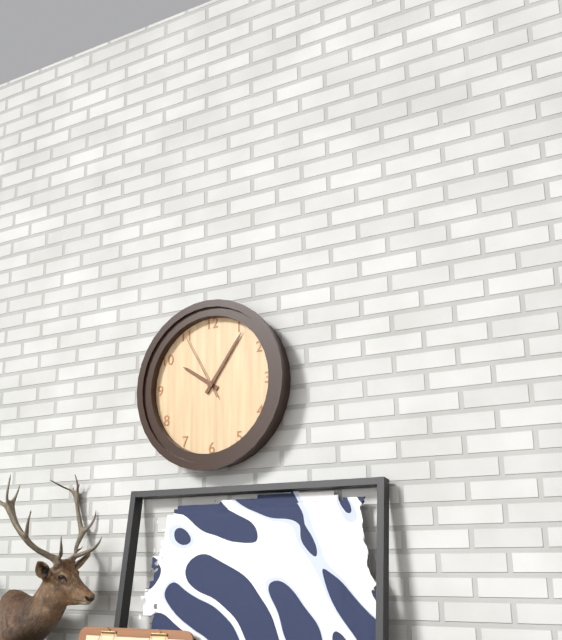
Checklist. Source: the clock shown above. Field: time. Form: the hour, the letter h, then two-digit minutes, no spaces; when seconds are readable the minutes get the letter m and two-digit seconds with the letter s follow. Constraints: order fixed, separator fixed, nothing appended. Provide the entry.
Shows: 10h06m55s
